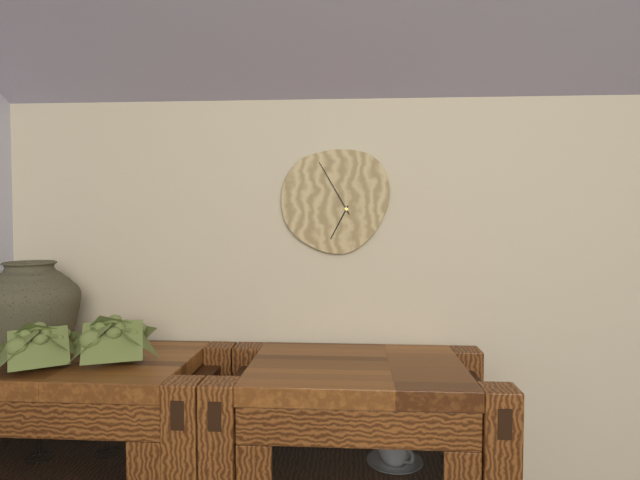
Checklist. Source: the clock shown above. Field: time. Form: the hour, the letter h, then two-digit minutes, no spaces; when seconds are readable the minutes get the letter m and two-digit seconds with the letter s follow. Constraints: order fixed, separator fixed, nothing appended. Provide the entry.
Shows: 6h55
